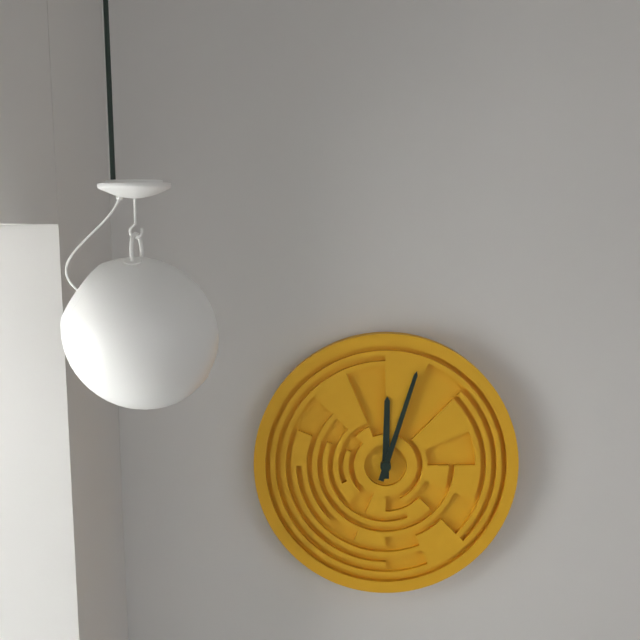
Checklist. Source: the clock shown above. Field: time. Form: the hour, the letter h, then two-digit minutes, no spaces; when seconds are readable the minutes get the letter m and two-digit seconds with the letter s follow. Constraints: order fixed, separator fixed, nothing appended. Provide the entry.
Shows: 12h03
